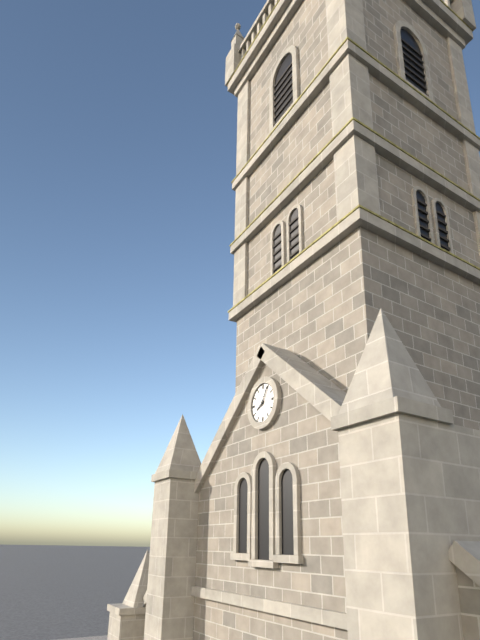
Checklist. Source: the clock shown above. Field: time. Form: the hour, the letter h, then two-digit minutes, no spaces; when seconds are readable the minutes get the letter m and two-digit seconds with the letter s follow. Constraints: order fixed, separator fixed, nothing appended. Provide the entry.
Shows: 8h05
